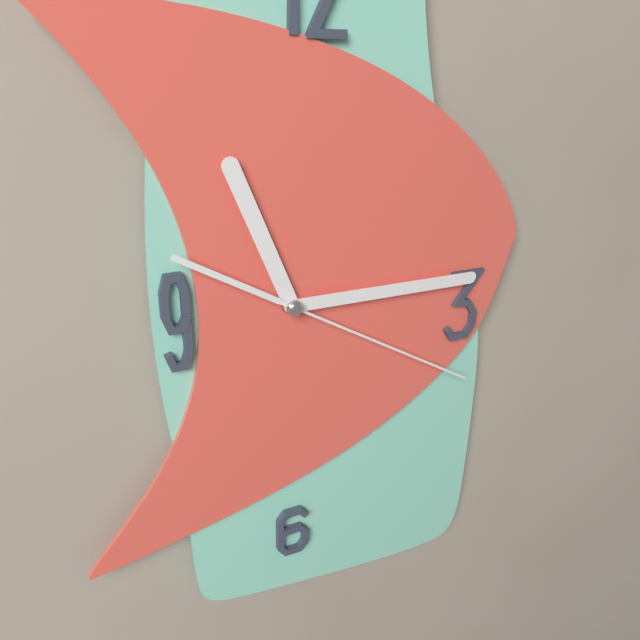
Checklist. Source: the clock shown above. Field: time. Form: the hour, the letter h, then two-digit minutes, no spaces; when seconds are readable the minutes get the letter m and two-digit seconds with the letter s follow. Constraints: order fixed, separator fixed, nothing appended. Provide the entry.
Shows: 11h15m20s
